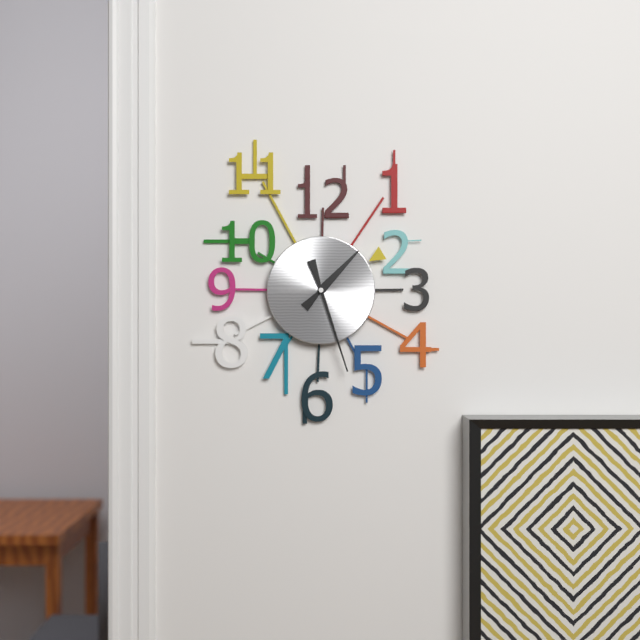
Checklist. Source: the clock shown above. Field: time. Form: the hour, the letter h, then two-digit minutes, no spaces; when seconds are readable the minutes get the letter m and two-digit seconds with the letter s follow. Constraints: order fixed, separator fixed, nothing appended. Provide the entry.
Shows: 1h27
